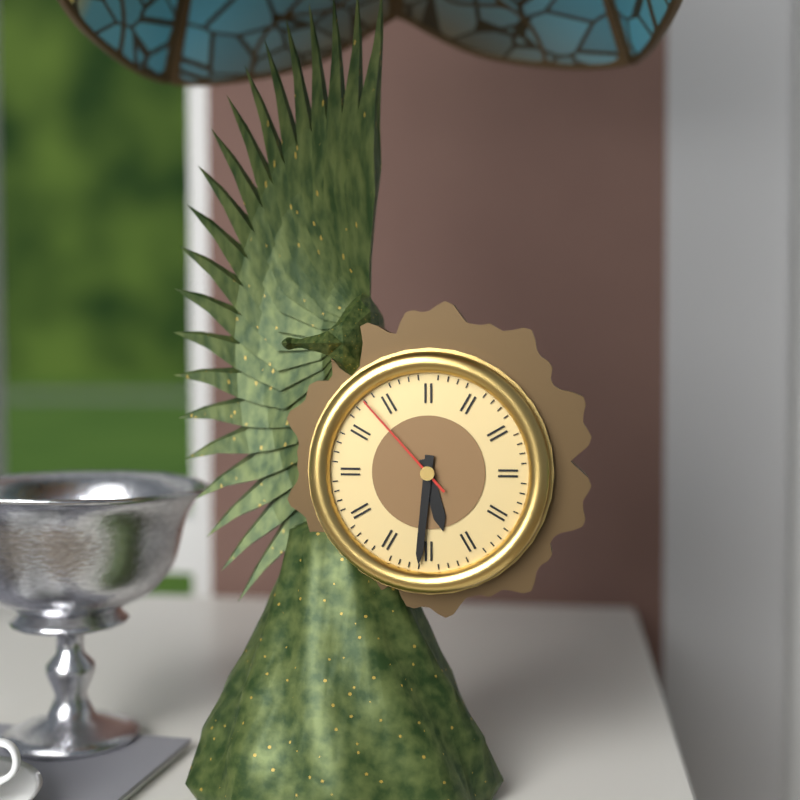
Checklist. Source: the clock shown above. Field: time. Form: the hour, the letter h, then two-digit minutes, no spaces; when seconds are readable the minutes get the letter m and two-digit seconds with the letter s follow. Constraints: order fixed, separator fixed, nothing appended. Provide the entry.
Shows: 5h31m53s
